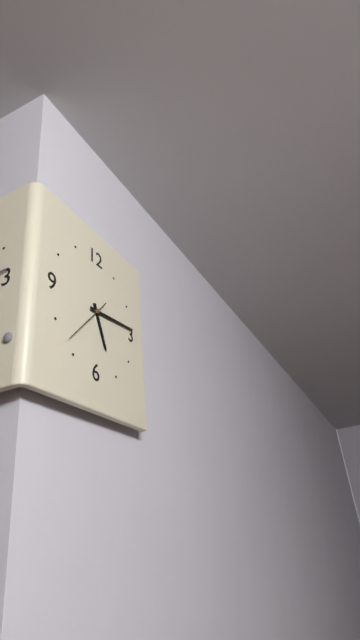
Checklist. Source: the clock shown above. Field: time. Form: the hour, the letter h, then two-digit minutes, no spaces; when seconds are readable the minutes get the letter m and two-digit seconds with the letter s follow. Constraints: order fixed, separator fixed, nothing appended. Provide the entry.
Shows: 5h14
